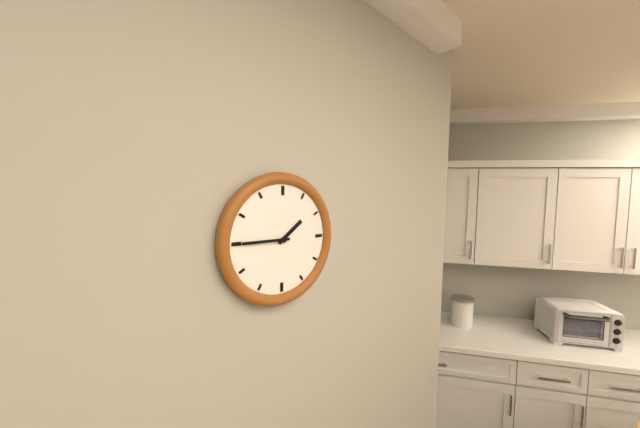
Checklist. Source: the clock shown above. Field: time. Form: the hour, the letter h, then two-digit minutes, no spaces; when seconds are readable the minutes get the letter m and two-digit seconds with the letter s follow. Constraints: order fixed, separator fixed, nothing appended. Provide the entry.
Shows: 1h45
